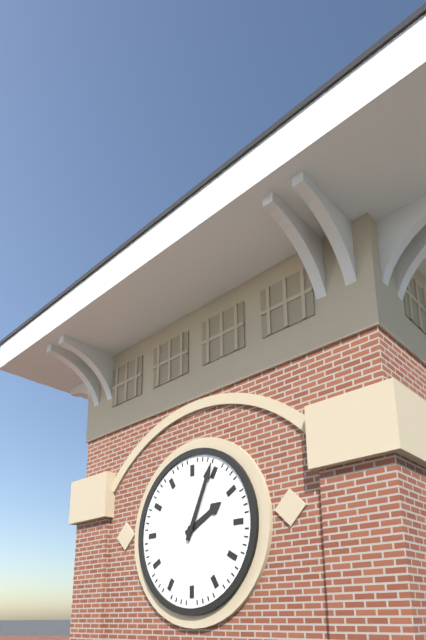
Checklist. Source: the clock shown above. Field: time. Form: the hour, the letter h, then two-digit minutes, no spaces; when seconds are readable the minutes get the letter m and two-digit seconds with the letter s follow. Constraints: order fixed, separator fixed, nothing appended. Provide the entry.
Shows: 2h04
